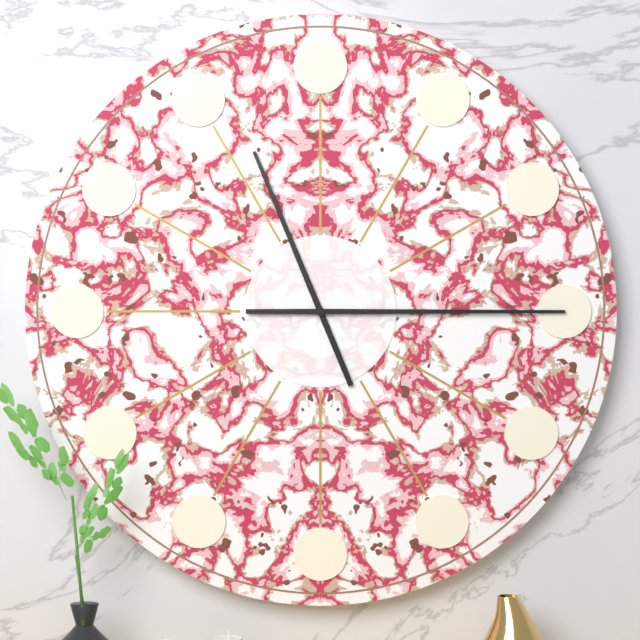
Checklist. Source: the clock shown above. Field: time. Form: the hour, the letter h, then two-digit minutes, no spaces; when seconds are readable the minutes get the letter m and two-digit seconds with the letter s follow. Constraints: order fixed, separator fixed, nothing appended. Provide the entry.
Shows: 11h15
